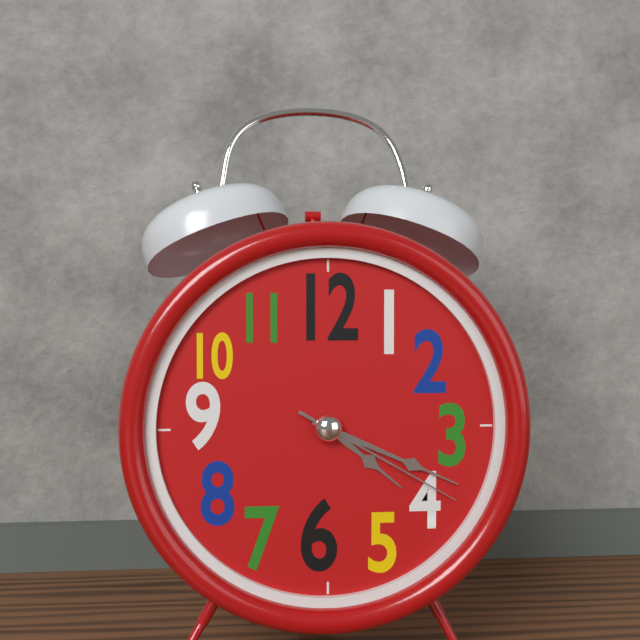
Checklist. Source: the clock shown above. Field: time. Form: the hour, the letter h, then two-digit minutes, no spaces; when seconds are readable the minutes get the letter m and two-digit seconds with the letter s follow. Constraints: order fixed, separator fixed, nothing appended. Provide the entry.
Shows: 4h19m20s
